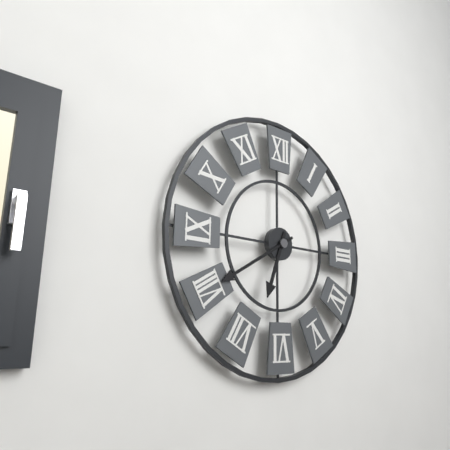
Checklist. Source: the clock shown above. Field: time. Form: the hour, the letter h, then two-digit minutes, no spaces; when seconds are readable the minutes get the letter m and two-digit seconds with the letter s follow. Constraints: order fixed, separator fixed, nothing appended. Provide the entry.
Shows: 6h40
